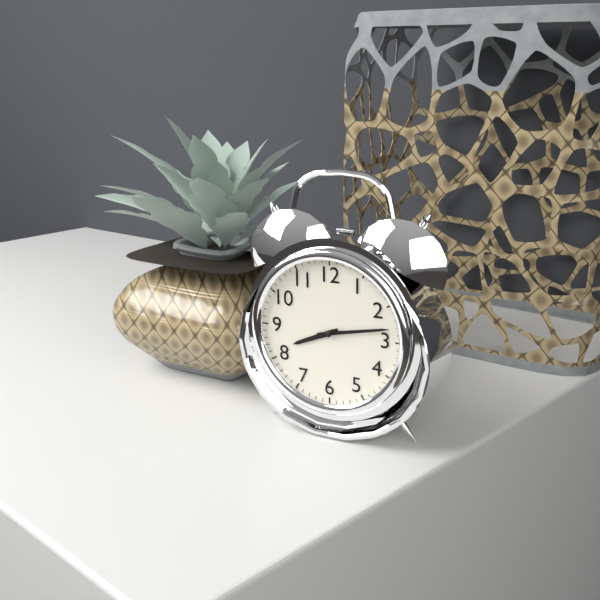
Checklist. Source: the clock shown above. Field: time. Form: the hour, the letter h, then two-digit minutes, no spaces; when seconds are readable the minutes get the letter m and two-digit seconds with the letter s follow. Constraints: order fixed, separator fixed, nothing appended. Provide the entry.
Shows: 8h13
